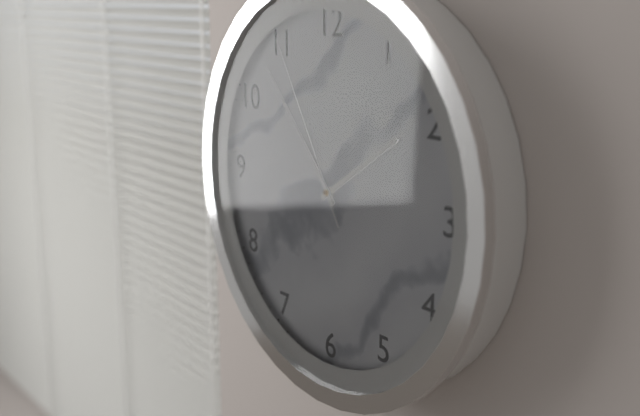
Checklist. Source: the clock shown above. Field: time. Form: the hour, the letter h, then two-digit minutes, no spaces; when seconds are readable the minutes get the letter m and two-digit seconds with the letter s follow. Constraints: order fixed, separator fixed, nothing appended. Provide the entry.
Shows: 1h53m55s
